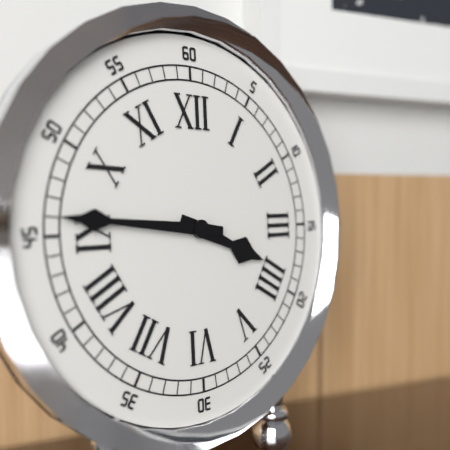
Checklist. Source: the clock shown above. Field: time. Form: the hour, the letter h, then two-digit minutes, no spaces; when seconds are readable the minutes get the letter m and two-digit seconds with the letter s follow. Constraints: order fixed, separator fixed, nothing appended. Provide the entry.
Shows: 3h46
